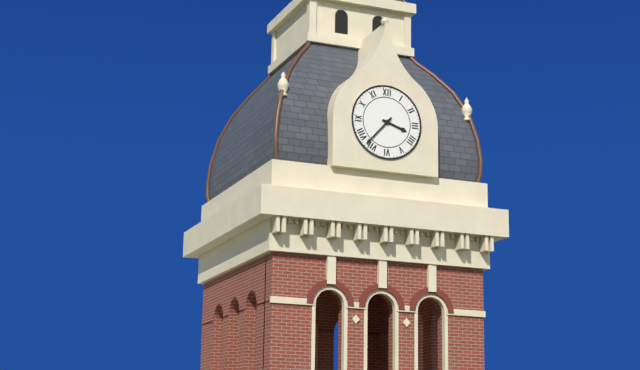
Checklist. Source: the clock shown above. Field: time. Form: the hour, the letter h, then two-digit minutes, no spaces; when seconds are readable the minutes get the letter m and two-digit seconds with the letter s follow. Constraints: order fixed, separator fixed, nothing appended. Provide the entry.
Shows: 3h37
